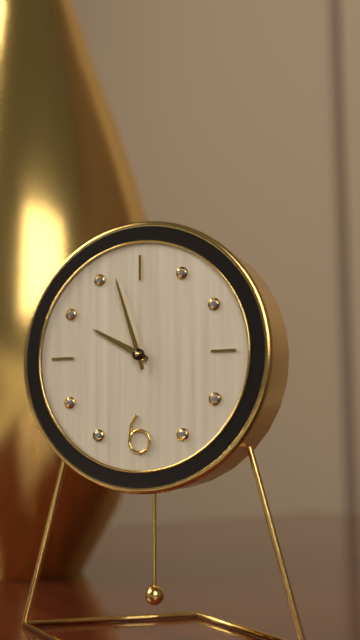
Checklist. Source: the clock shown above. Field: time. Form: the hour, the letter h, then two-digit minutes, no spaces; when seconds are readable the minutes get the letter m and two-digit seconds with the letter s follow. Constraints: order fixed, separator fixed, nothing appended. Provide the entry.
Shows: 9h57
